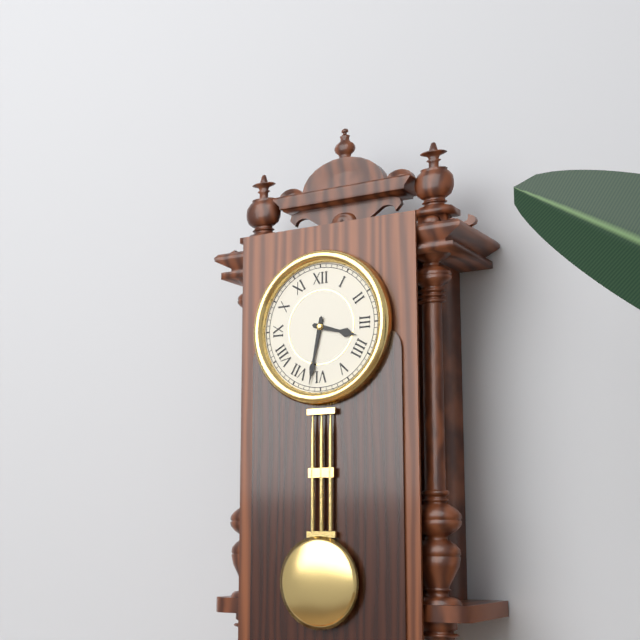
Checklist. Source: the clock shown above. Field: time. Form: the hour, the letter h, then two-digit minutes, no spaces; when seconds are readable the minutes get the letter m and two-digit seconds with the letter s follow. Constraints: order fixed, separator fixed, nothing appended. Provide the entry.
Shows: 3h32
